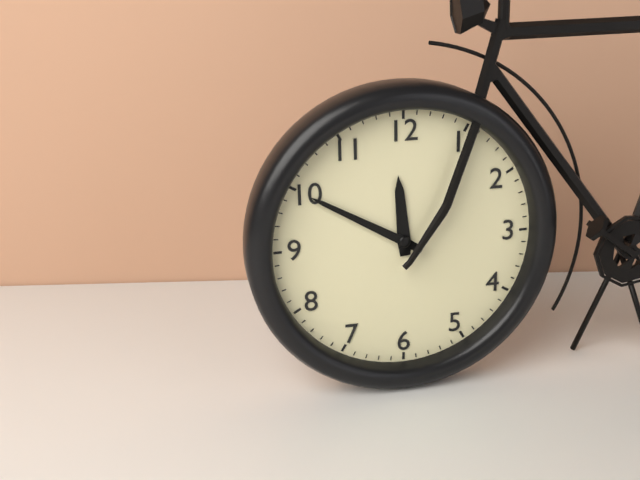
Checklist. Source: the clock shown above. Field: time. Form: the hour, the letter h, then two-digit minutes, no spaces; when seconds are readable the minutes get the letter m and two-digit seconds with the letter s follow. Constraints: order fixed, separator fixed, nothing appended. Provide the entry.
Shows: 11h50
